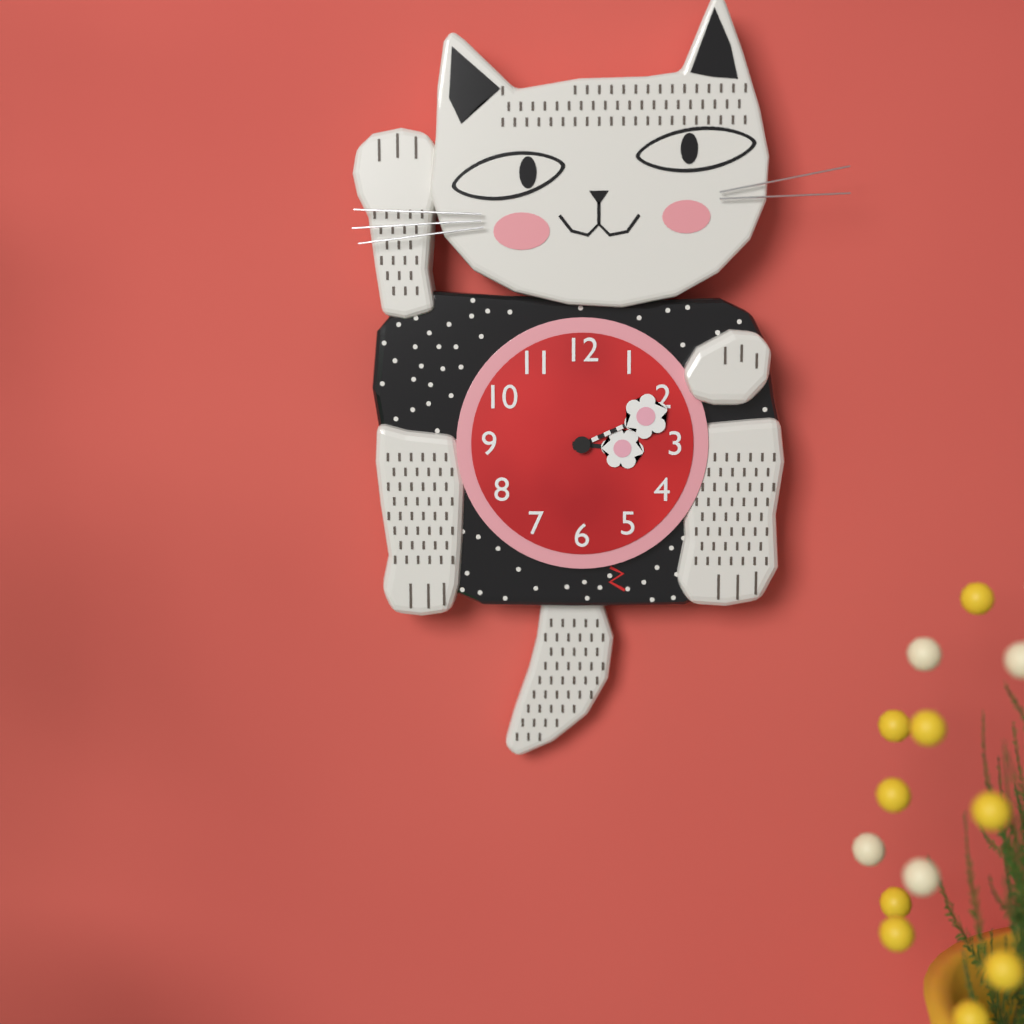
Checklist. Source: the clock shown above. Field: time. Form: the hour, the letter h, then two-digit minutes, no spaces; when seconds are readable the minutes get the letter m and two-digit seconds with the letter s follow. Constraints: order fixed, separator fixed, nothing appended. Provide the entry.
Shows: 3h11
